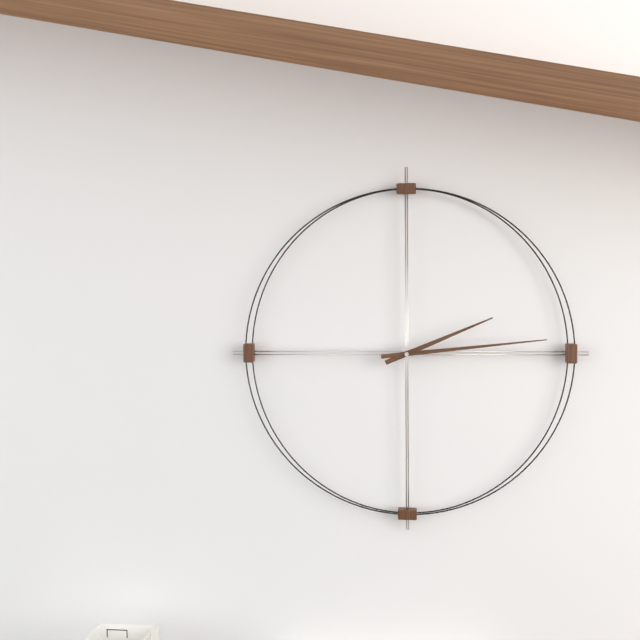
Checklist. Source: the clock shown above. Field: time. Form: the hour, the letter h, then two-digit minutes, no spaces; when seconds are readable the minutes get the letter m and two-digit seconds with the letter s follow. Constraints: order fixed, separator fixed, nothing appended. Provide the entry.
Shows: 2h14
